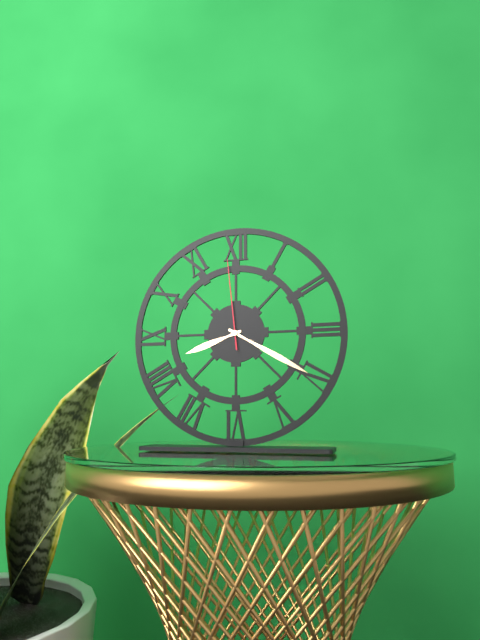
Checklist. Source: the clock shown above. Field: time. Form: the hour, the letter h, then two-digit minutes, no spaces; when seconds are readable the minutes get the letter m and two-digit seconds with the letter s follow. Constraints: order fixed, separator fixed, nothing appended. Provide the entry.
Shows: 8h20m59s
